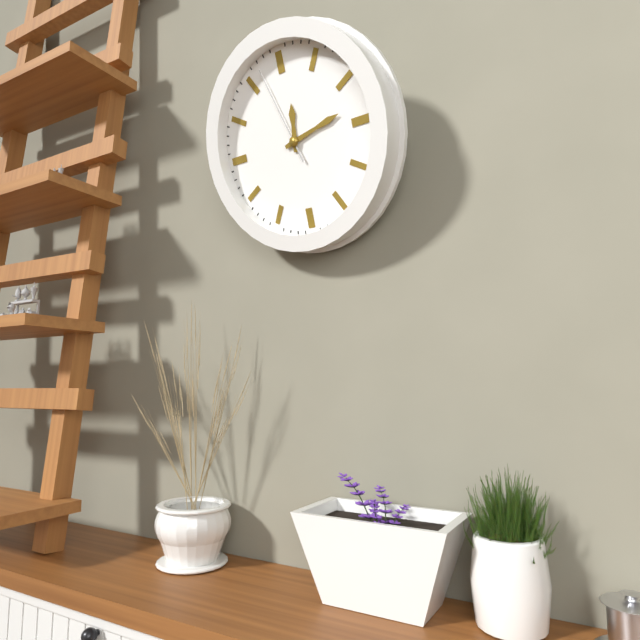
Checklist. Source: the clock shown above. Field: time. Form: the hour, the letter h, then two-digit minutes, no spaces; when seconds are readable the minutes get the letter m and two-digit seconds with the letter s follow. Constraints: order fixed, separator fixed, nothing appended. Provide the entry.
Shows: 12h13m57s
